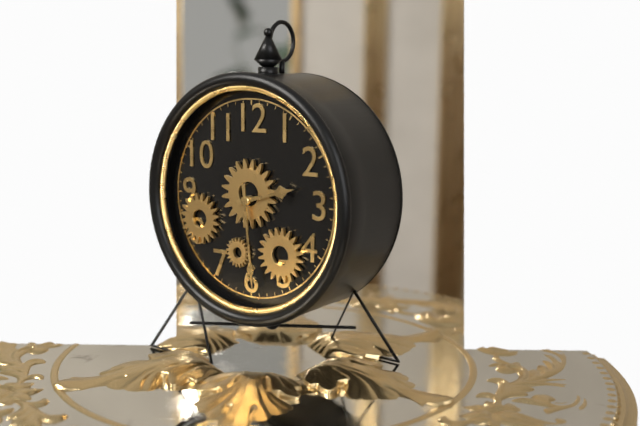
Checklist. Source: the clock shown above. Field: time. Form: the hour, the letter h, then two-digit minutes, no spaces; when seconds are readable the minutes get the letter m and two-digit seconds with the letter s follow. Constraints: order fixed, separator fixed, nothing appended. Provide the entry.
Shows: 2h29
